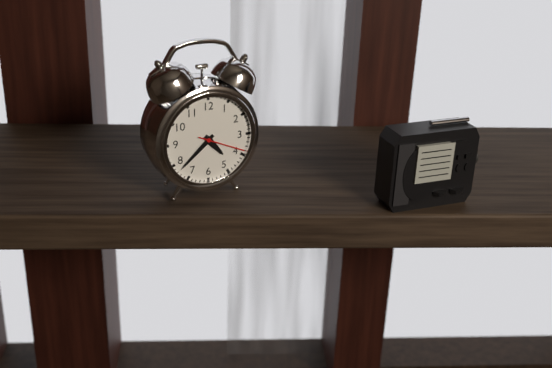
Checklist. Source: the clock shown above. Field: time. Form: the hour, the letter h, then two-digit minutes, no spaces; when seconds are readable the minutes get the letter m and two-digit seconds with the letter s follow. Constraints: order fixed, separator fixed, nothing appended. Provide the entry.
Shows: 4h38m19s
